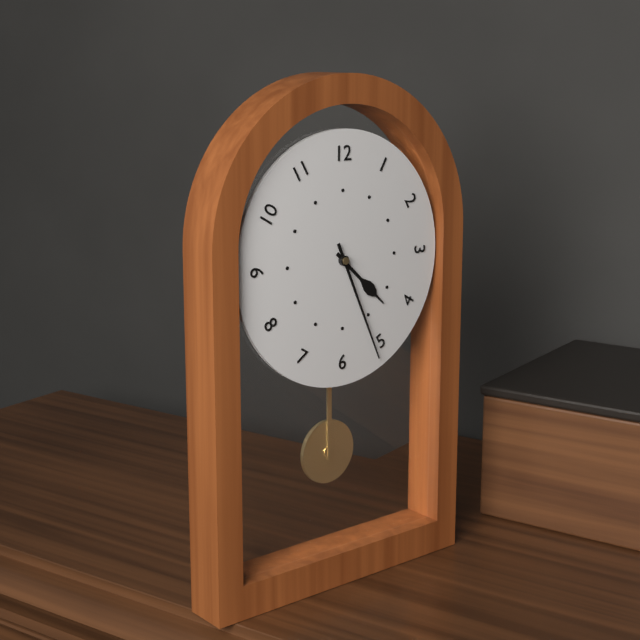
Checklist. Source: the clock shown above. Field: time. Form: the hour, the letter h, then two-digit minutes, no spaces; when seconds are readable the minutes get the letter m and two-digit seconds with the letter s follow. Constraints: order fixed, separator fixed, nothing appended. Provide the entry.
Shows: 4h26
